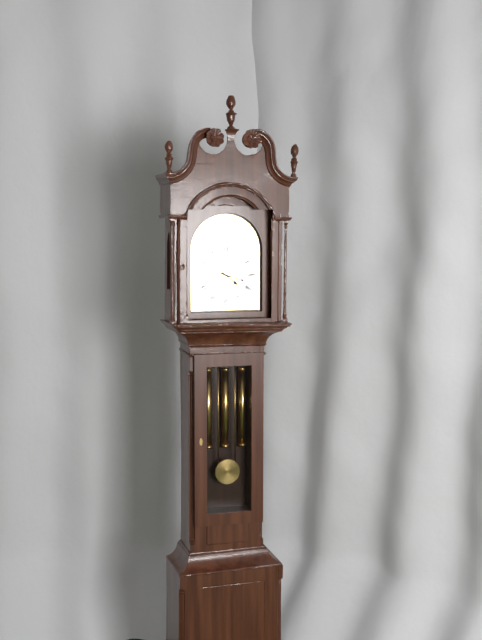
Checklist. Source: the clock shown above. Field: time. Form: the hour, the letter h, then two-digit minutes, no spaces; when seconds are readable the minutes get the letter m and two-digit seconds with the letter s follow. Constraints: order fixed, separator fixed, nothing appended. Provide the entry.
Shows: 4h18
